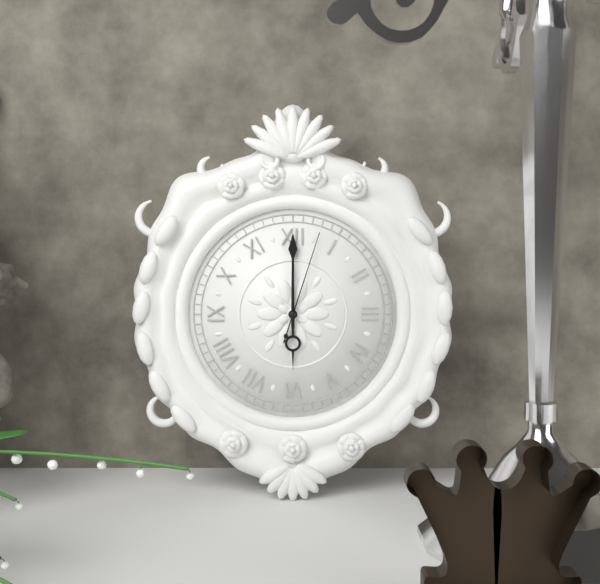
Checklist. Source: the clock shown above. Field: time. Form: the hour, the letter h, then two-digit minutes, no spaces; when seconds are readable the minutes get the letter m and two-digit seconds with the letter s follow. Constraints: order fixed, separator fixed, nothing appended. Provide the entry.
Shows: 6h00m03s
